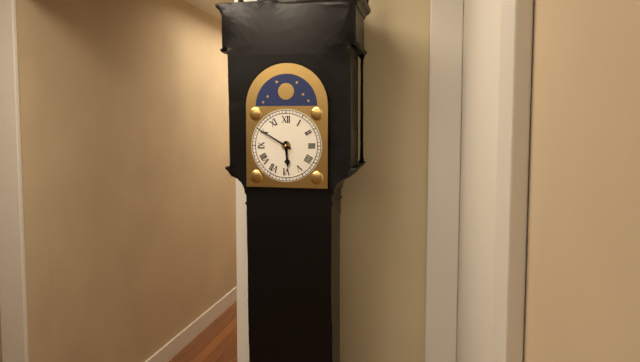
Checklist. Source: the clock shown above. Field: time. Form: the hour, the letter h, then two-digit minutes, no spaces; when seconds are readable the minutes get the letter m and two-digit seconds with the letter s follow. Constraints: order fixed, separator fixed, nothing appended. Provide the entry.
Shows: 5h50
